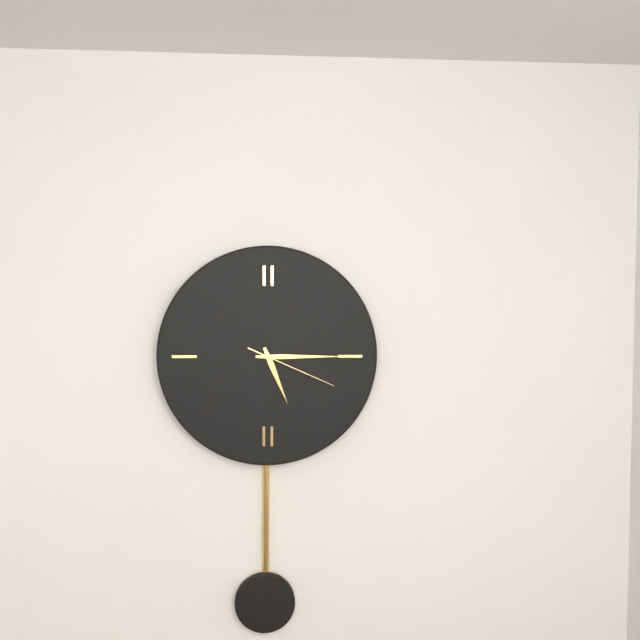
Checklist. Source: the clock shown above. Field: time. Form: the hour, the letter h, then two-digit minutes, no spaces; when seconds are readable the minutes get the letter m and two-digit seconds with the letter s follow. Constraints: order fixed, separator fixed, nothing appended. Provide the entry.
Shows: 5h15m19s
